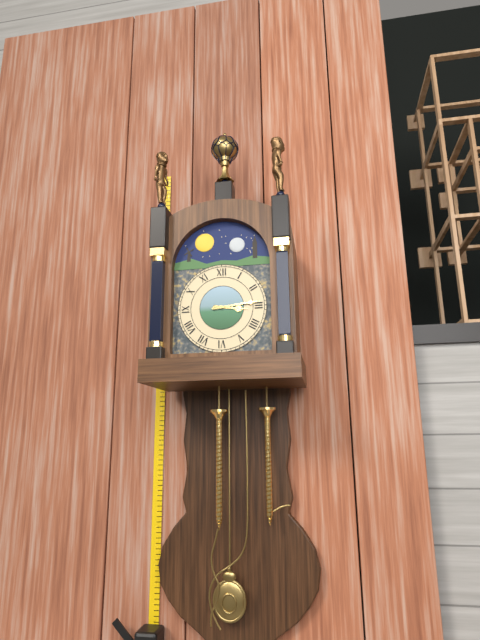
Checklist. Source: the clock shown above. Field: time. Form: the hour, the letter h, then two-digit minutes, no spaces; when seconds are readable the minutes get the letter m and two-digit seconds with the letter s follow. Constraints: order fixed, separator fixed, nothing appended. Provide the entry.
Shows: 3h14
